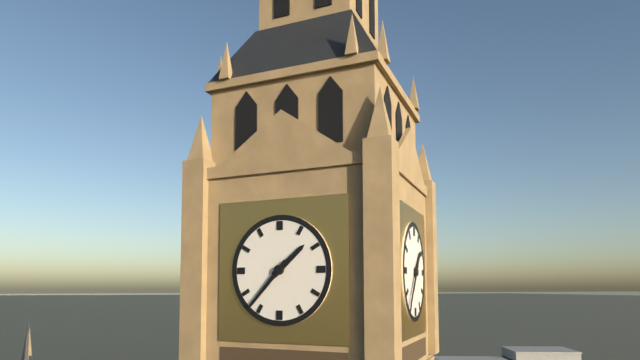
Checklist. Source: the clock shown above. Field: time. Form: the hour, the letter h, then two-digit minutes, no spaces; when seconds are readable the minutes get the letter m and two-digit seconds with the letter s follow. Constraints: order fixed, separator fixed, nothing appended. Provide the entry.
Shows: 1h37
